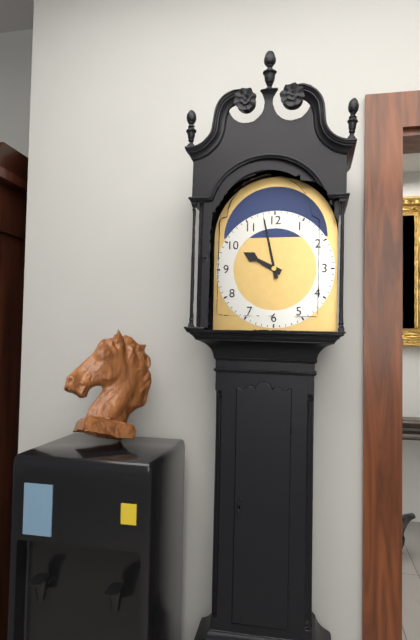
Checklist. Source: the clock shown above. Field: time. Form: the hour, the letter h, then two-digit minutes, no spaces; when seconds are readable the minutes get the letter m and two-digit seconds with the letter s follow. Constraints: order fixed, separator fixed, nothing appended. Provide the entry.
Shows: 9h58
